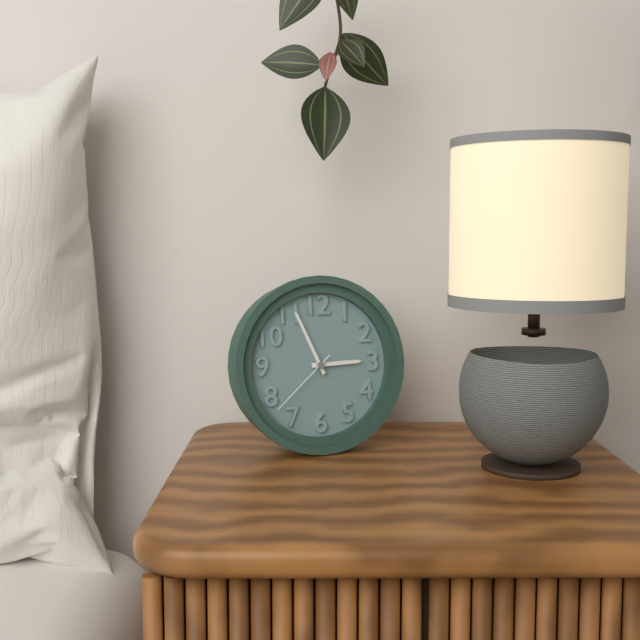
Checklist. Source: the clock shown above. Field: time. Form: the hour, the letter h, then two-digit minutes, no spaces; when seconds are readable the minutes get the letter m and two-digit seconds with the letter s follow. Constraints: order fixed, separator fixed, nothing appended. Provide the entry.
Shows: 2h56m38s
